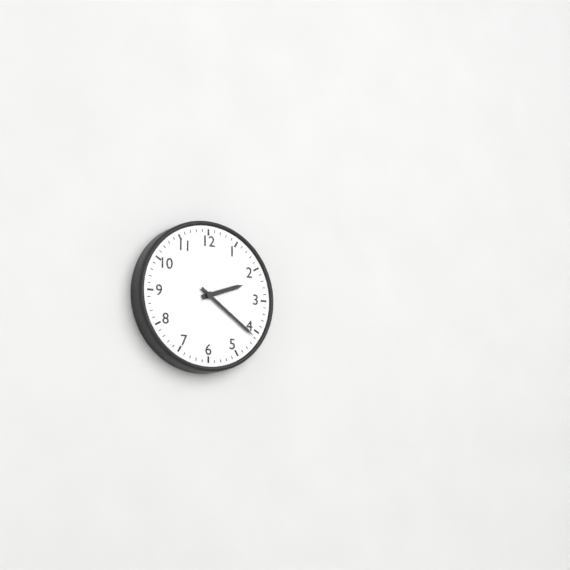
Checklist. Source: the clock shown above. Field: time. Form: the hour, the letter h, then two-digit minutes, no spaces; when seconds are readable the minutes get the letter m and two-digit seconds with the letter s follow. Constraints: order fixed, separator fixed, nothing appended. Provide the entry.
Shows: 2h21
